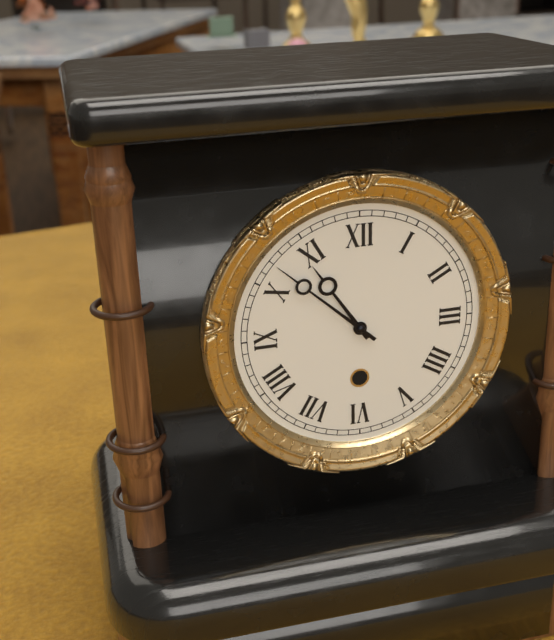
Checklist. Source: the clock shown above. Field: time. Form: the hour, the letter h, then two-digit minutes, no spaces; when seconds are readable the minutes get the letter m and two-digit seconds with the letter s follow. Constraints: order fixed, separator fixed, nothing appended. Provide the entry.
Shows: 10h52
